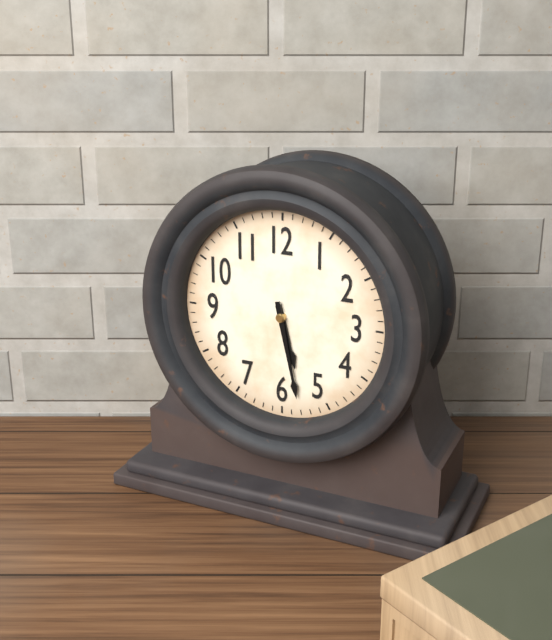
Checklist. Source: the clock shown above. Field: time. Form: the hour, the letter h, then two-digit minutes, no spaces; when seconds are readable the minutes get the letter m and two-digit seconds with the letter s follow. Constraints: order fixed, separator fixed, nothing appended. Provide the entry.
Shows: 5h28
